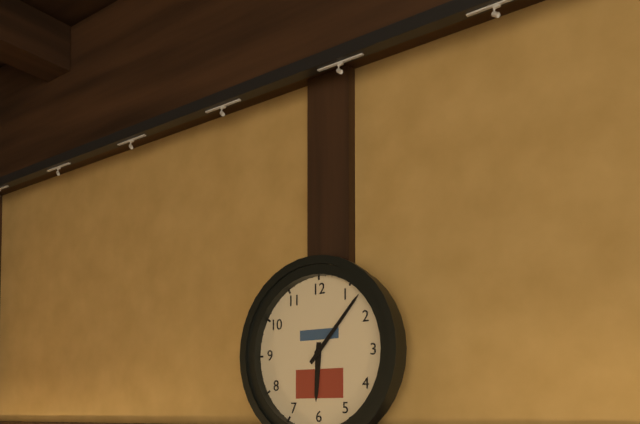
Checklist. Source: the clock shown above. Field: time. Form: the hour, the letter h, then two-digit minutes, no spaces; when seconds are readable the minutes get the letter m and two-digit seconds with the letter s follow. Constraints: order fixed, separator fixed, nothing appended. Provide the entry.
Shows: 6h07
